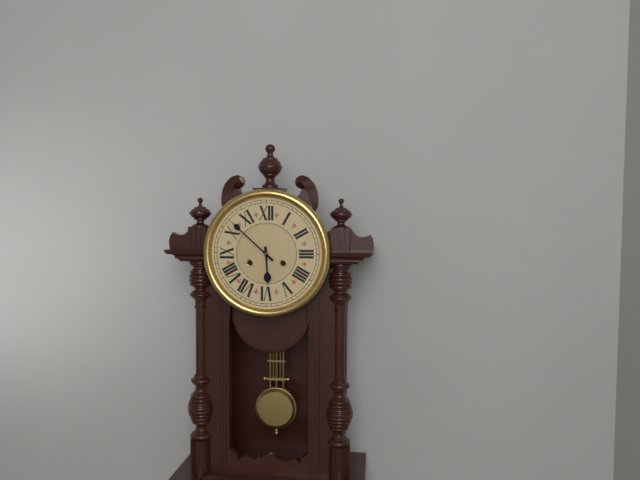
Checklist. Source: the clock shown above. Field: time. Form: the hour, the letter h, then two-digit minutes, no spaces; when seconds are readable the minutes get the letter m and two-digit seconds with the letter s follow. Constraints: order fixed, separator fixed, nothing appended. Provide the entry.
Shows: 5h52
